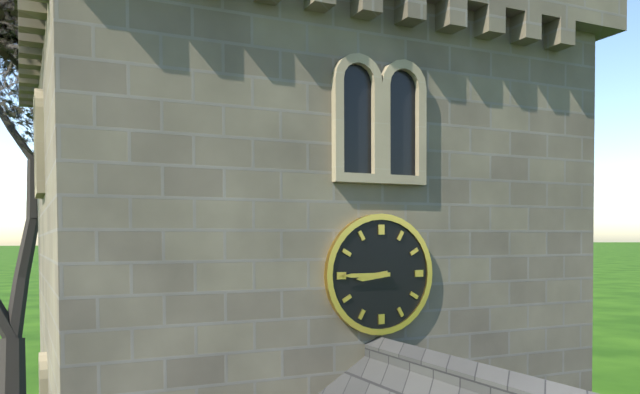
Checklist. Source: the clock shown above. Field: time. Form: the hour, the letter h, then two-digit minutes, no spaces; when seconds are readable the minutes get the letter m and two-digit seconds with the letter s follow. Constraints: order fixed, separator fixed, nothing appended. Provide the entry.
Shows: 8h45
